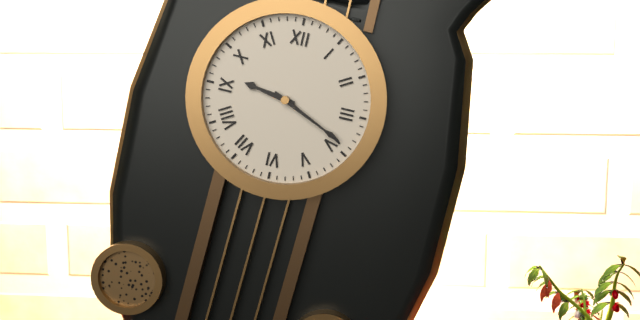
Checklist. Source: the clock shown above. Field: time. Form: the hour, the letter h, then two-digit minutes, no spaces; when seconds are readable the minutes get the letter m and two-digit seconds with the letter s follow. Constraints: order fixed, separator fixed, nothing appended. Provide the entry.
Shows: 9h19
